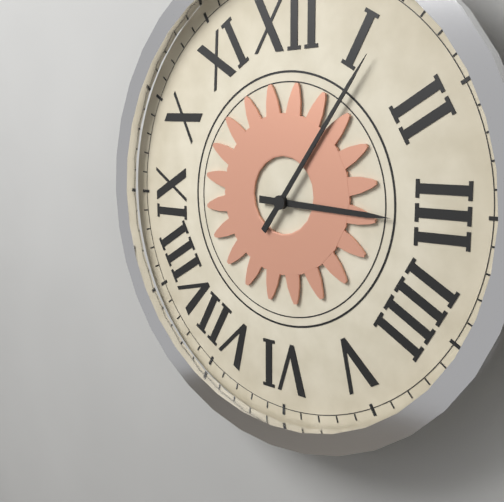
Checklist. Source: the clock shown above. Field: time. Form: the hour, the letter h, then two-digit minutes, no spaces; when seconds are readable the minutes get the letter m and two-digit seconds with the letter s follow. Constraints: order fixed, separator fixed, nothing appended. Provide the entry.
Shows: 3h06
